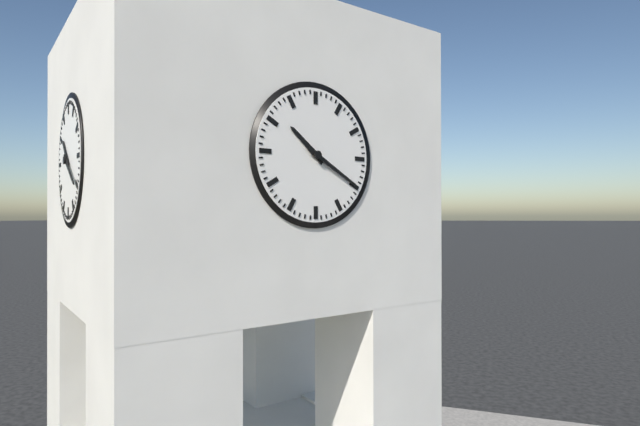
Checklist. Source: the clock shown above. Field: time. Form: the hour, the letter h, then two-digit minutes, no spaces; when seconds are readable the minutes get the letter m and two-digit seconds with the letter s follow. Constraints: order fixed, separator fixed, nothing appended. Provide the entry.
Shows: 10h20
